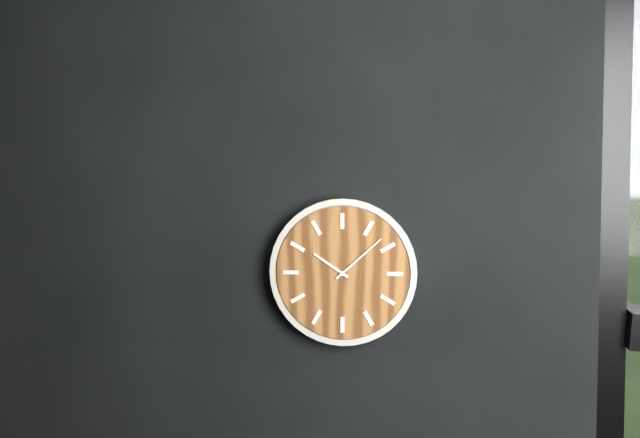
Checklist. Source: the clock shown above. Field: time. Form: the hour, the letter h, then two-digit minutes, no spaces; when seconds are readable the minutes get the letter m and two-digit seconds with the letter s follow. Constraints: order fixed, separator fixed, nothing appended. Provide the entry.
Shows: 10h08
